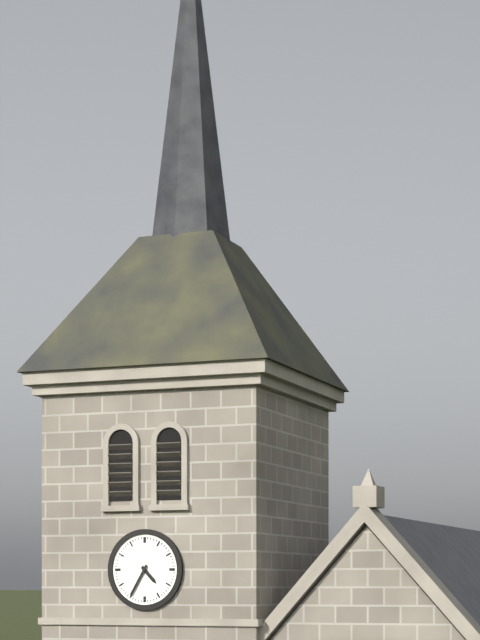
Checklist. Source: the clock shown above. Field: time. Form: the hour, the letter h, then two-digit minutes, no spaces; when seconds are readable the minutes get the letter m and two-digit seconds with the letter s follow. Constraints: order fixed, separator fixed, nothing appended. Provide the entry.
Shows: 4h35
